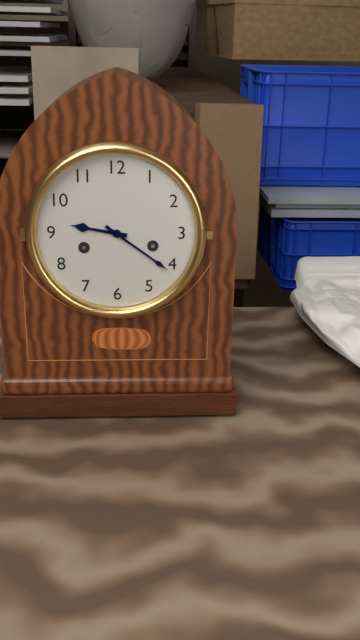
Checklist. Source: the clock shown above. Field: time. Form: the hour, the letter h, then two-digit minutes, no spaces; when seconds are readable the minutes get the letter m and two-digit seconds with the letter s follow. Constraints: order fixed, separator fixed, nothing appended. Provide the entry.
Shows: 9h21
